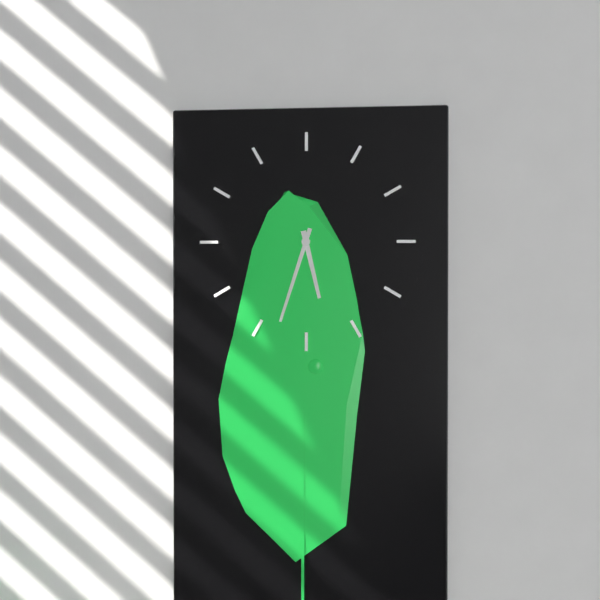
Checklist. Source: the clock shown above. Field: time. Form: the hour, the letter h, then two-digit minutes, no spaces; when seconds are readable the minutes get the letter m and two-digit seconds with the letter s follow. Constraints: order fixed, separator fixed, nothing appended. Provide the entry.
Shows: 5h33
